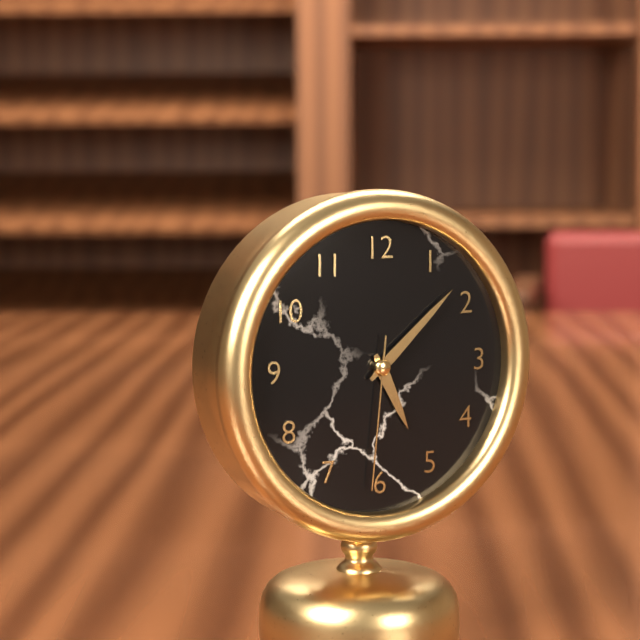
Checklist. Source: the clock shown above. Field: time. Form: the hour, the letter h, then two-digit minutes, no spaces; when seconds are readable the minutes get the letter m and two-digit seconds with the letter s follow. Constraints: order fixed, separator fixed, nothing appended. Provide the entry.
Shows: 5h08m31s
